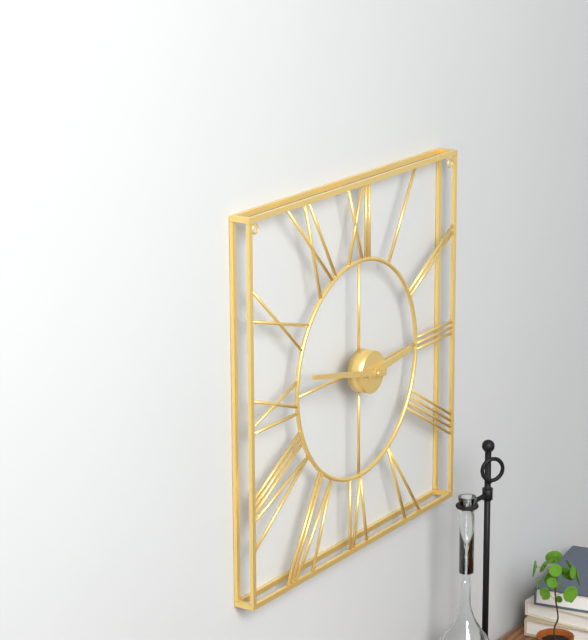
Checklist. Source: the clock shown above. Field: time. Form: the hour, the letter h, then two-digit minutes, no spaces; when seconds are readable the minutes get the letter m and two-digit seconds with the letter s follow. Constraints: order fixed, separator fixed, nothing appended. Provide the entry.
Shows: 2h47
